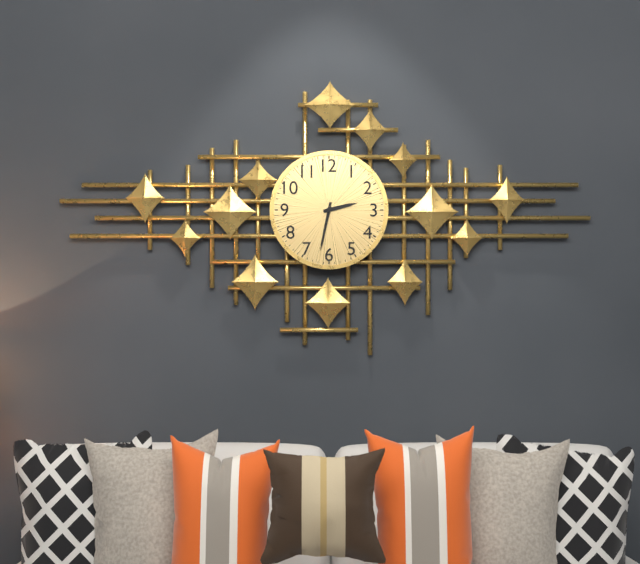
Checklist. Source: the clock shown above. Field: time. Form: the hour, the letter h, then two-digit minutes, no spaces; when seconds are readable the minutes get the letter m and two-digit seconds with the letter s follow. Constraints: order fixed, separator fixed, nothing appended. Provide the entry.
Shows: 2h32
